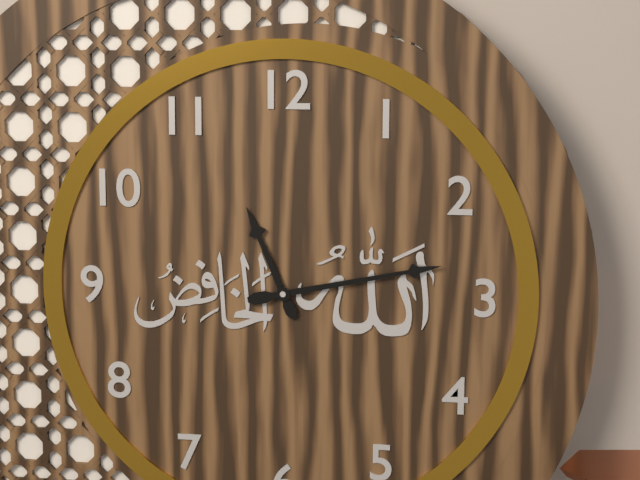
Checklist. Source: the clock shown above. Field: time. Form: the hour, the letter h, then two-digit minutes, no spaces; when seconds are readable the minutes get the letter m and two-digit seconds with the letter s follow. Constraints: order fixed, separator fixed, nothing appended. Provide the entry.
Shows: 11h13
